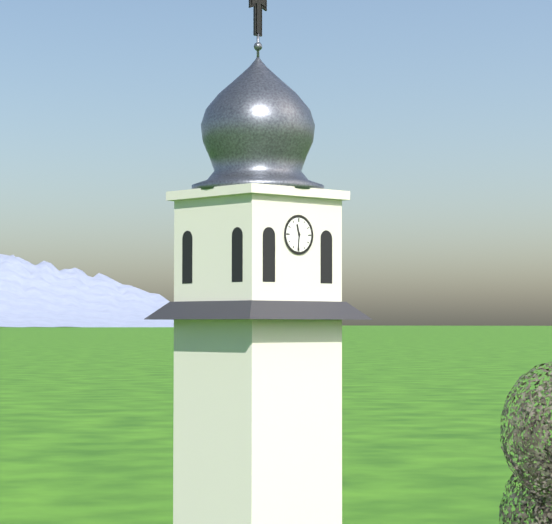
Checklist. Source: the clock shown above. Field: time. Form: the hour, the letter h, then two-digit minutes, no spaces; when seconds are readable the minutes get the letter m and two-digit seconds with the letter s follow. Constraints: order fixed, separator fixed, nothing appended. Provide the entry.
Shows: 11h31
